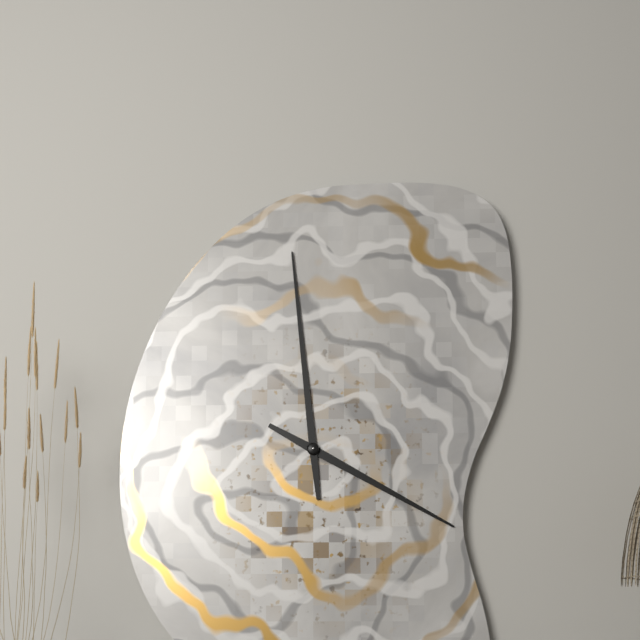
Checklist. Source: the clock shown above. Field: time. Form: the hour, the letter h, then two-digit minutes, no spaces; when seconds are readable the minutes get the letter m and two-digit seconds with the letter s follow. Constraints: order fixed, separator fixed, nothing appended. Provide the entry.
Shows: 3h59
